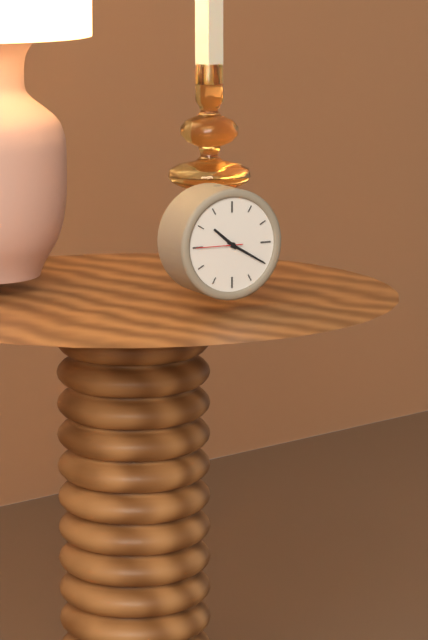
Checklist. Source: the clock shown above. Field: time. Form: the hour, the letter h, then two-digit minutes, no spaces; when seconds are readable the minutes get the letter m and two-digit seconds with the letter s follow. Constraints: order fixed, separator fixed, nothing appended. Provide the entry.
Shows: 10h20
